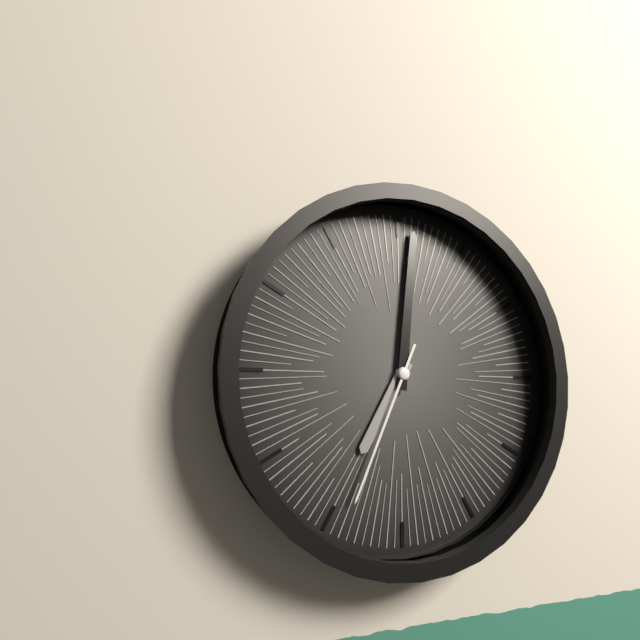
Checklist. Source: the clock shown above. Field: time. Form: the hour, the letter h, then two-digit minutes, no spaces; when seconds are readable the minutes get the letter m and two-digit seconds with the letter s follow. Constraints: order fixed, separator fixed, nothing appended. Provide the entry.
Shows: 7h01m34s
